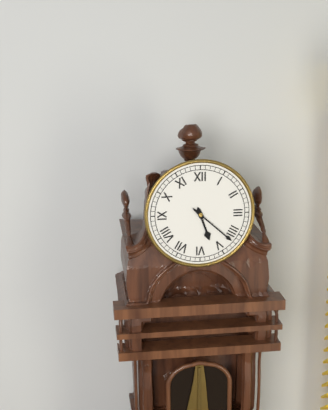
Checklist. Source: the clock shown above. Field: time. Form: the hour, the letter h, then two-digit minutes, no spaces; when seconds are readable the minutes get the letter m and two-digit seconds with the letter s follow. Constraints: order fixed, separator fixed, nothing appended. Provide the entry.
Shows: 5h22
